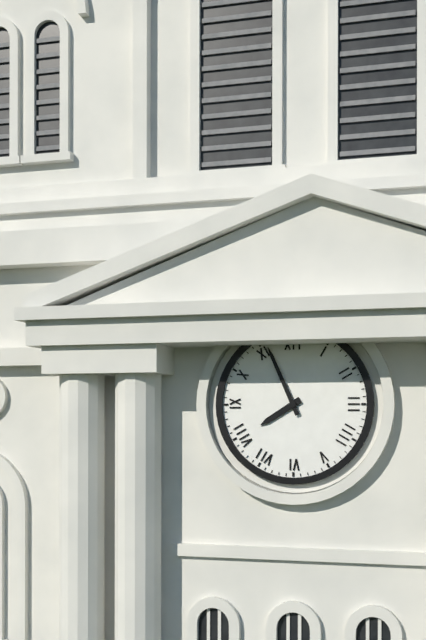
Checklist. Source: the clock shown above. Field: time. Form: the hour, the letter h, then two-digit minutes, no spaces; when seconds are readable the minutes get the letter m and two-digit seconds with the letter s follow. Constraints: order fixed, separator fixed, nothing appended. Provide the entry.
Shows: 7h56
